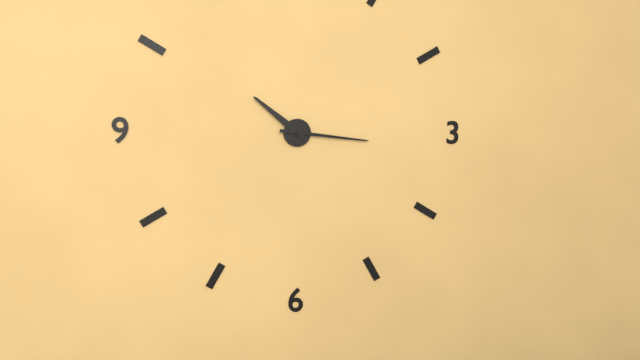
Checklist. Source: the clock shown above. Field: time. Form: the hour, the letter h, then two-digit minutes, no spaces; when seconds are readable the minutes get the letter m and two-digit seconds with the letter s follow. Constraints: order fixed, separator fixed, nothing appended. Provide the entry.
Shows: 10h16
